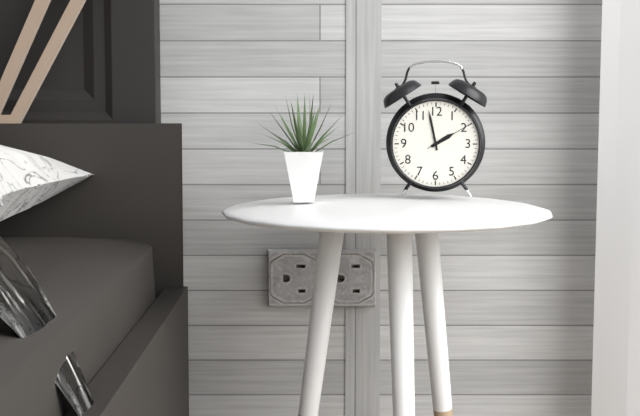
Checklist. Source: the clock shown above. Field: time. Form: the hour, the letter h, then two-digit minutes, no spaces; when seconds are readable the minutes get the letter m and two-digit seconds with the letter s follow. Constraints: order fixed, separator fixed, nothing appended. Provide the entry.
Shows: 1h58
